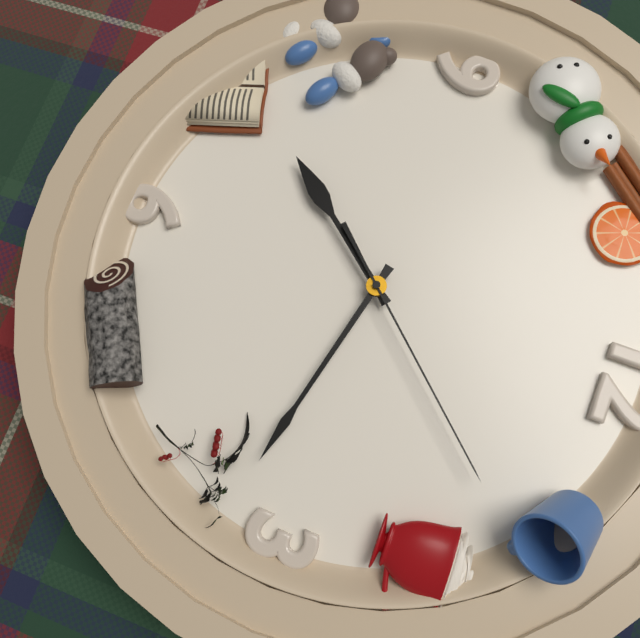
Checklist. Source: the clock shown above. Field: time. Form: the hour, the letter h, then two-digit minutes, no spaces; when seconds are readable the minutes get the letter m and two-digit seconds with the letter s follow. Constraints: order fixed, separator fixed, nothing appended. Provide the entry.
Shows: 7h17m07s
